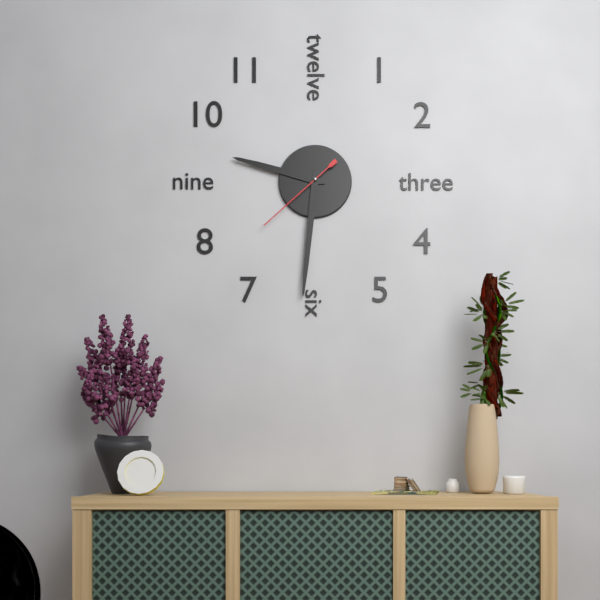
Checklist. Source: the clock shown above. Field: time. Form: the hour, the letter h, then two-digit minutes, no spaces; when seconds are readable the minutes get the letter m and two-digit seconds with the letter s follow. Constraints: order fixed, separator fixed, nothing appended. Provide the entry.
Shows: 9h31m38s
